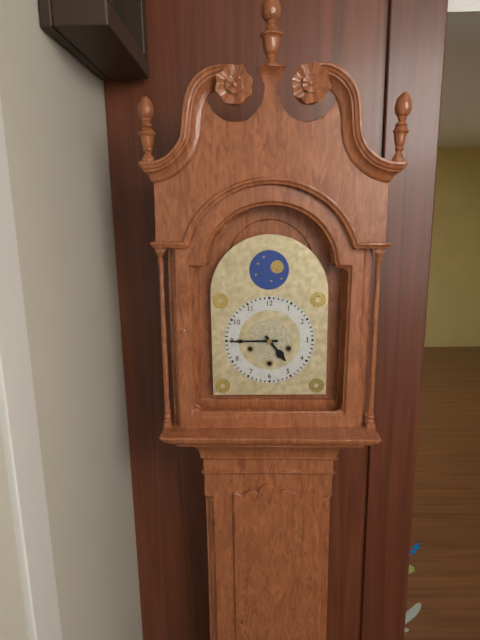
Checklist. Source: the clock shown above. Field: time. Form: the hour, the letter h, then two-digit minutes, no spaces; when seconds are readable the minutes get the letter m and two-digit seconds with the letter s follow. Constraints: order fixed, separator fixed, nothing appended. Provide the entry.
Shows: 4h45
